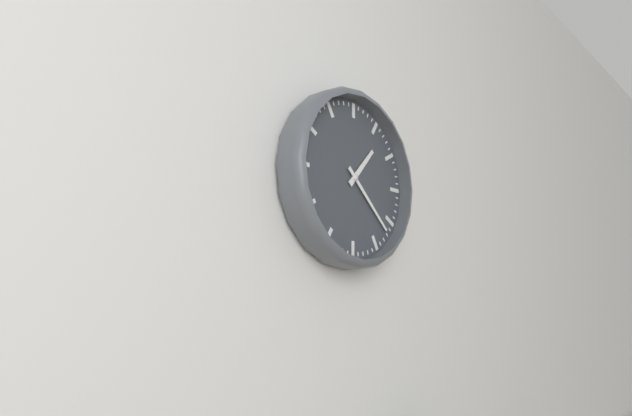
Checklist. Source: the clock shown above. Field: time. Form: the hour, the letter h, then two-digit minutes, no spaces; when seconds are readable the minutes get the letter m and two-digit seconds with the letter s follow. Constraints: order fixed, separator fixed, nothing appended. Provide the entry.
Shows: 1h22
